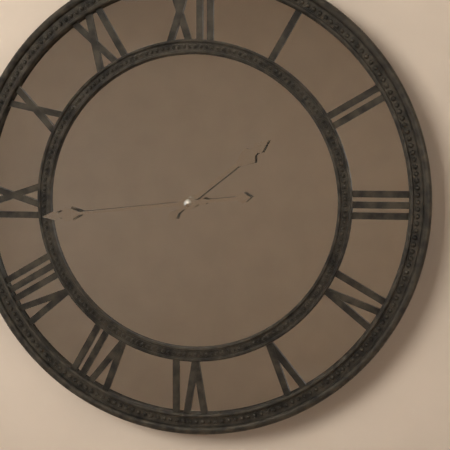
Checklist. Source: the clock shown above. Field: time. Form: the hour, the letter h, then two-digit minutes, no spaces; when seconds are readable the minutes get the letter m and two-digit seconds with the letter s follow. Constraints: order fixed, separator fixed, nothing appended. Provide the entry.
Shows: 1h44
